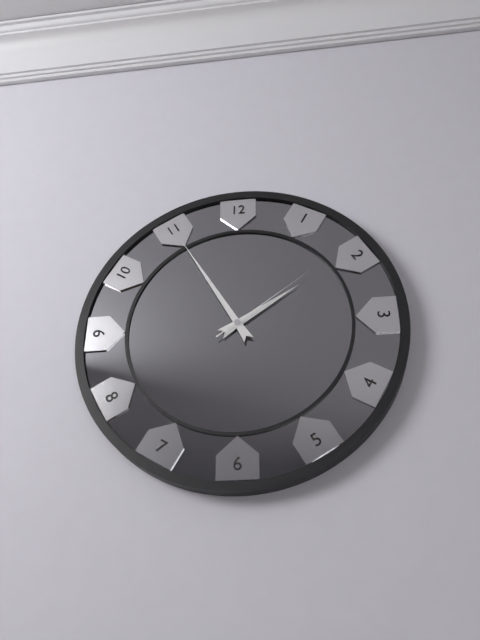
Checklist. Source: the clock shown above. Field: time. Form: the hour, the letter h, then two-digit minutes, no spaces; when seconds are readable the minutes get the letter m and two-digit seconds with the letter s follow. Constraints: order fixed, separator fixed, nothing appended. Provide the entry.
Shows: 1h55m09s
